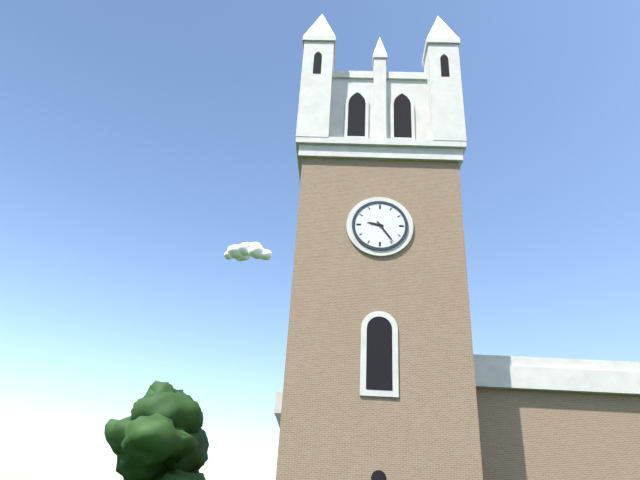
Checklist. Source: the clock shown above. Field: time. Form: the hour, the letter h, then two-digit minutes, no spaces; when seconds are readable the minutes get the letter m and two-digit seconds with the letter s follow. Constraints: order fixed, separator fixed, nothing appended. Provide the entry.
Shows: 9h24
